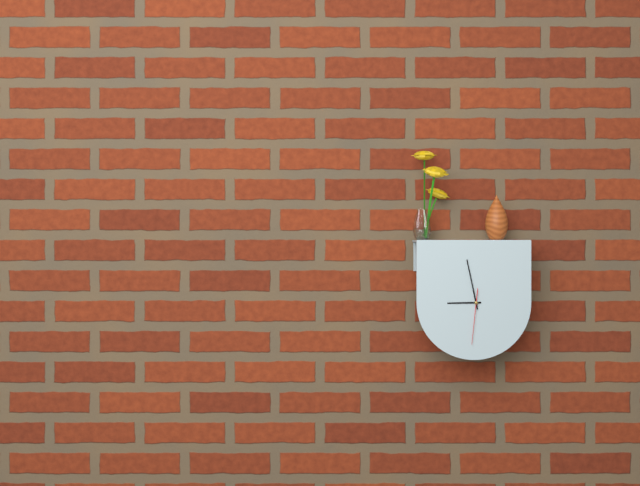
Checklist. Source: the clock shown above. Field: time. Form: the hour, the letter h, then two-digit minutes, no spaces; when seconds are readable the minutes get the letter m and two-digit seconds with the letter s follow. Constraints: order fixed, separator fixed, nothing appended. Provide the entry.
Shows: 8h58m31s
